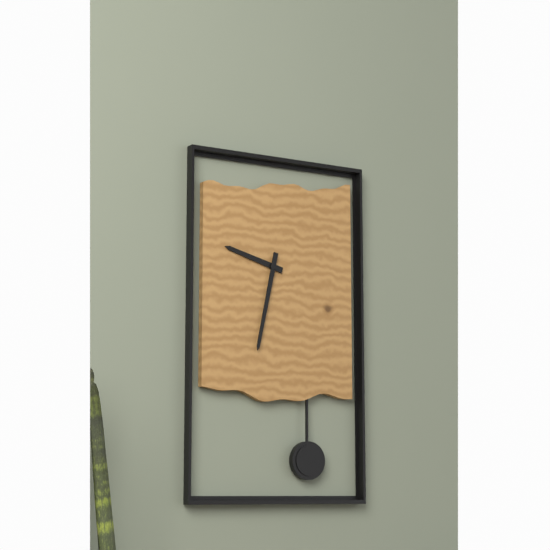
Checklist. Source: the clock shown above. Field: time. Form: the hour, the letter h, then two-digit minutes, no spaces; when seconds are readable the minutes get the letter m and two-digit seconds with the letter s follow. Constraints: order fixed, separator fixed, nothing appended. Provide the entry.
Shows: 9h32
